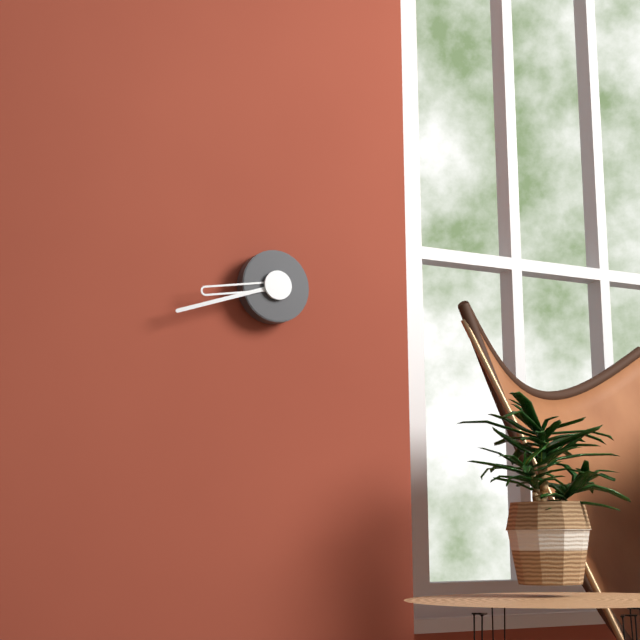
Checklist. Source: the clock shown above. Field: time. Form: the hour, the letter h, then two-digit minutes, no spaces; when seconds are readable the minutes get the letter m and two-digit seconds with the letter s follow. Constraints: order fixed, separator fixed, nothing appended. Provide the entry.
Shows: 8h42
